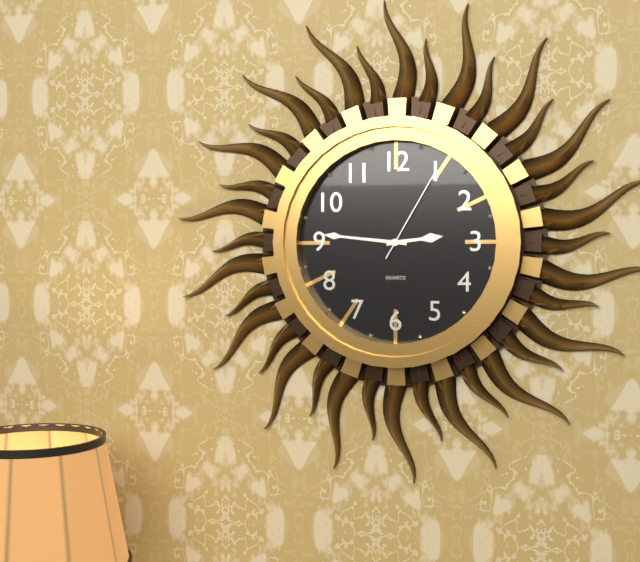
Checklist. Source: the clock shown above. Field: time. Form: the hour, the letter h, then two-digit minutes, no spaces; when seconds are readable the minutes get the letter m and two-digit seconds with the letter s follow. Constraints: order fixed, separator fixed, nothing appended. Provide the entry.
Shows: 2h46m05s
